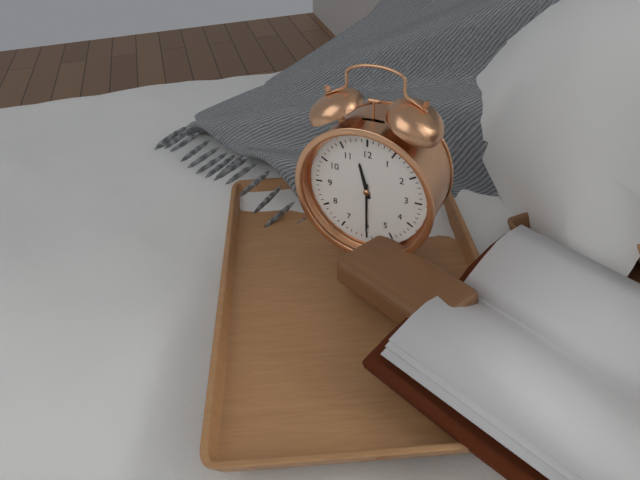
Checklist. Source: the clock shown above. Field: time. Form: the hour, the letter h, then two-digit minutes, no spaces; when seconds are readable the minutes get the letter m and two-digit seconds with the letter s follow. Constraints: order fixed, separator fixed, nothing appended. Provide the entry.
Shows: 11h30
